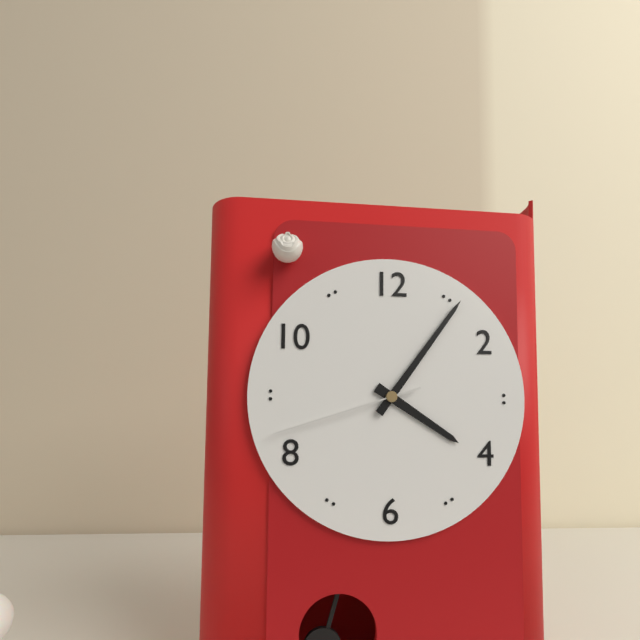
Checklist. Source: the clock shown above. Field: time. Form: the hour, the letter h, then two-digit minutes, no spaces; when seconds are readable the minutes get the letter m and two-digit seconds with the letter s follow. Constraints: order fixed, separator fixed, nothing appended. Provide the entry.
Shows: 4h06m42s
